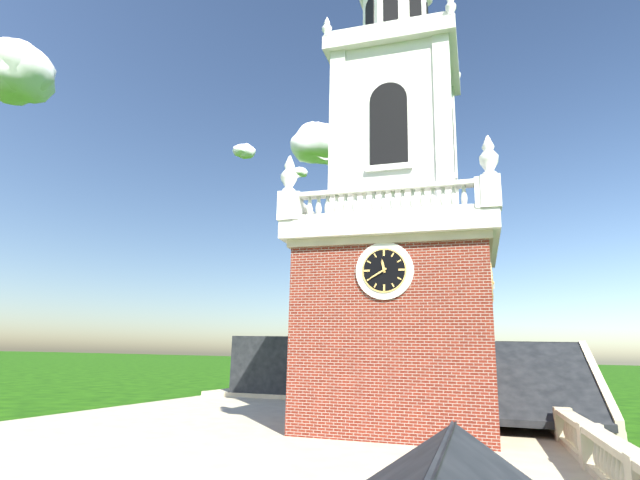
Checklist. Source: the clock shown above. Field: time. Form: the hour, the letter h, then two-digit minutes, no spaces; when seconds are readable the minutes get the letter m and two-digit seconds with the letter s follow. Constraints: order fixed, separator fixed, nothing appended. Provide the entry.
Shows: 11h40
